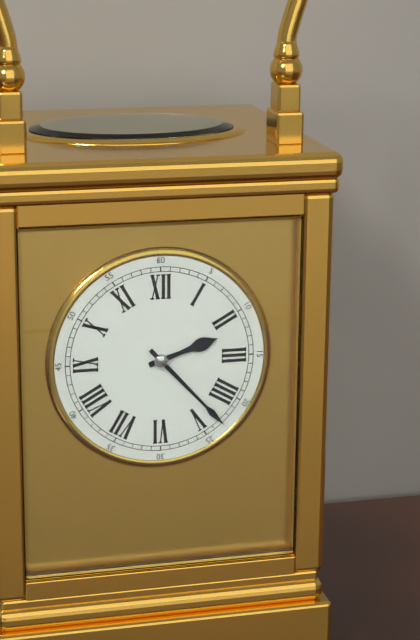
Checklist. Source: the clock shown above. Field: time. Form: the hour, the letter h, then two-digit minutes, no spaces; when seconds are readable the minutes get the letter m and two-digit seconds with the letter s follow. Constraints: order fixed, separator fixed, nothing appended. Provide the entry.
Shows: 2h23
